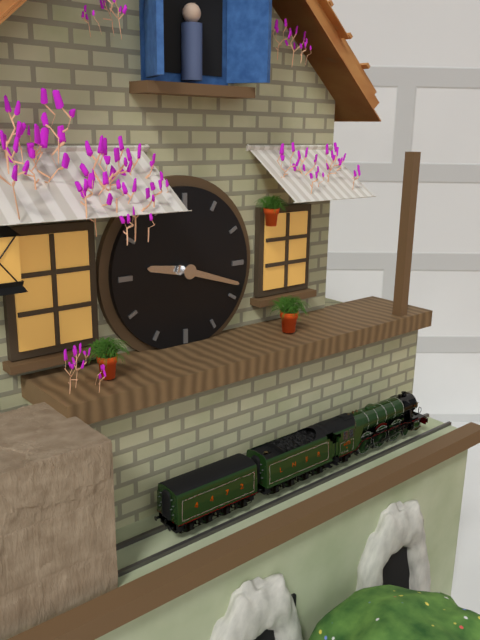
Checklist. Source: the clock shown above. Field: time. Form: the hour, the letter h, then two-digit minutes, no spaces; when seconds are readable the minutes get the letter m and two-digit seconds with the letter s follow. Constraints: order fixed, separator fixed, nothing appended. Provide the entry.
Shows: 9h18
